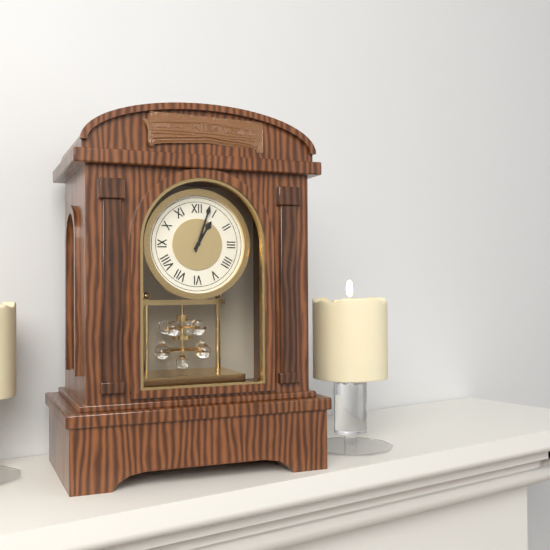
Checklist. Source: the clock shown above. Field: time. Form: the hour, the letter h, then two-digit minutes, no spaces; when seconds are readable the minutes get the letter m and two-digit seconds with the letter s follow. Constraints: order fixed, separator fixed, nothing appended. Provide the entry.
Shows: 1h03
